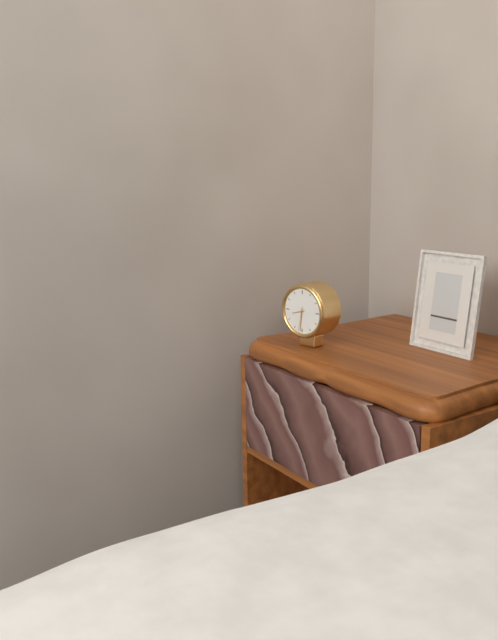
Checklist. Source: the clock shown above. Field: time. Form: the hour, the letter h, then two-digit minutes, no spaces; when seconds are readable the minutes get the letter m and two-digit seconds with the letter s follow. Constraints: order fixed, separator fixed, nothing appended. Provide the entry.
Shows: 8h31
